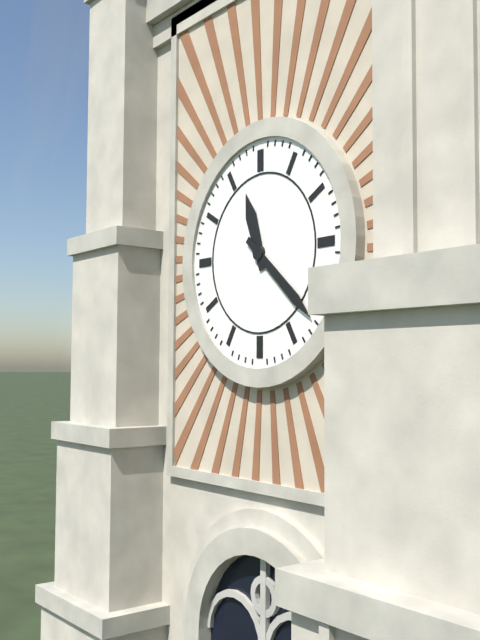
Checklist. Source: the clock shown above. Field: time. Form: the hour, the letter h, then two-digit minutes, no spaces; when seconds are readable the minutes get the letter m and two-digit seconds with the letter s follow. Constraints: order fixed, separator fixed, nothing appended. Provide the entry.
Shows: 11h22
